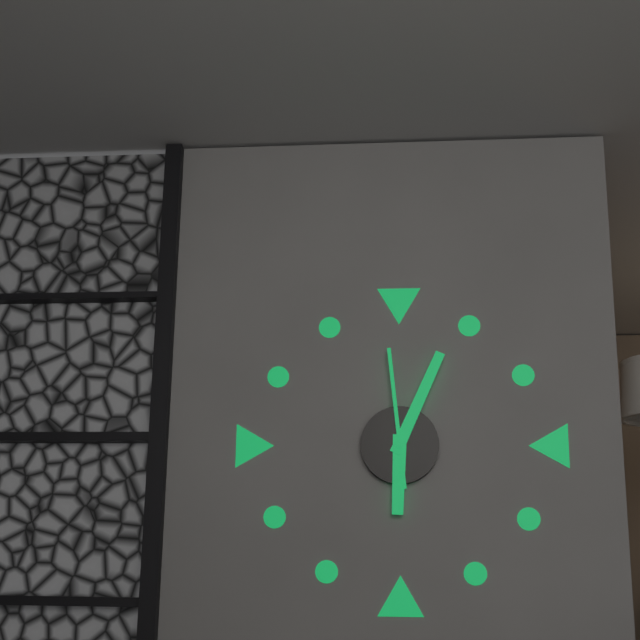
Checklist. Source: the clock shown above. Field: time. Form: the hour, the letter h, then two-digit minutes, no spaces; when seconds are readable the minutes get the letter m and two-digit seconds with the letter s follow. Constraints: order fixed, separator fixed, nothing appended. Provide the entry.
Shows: 6h04m59s
